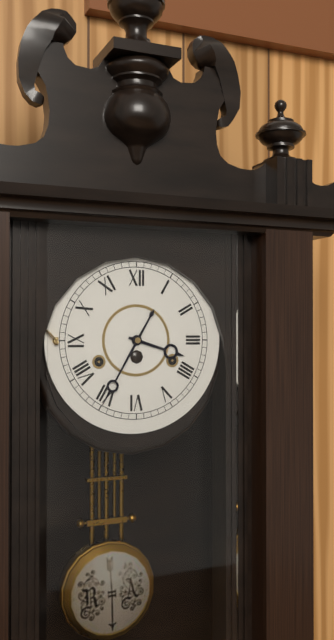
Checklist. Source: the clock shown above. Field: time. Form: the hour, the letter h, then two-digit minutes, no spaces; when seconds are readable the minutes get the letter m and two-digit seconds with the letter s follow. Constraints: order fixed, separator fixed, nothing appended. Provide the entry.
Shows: 3h35
